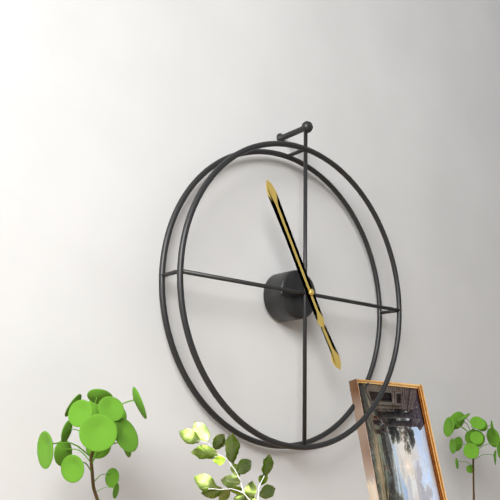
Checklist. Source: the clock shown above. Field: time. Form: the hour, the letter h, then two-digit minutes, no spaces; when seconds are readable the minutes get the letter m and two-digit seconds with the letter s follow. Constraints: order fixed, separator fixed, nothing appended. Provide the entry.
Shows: 4h55
